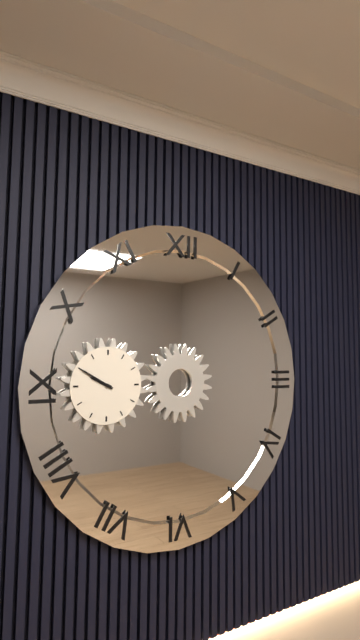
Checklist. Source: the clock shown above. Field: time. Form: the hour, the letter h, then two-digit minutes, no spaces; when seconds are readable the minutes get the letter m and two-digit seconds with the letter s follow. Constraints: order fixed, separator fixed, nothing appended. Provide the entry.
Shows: 9h50
